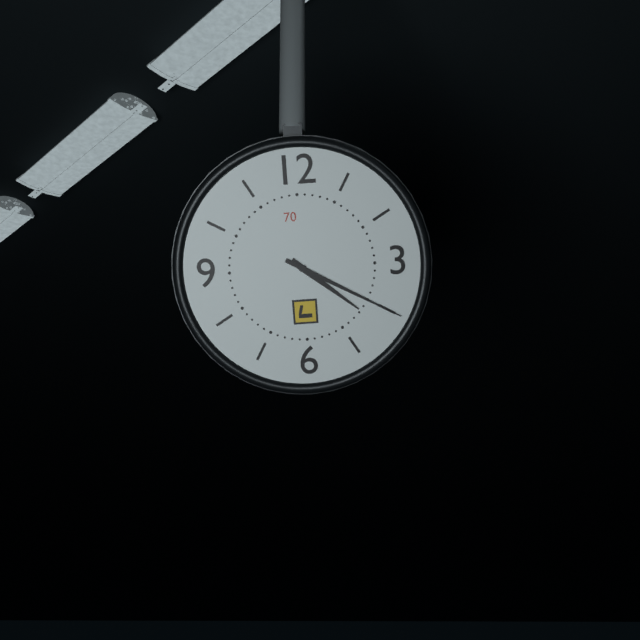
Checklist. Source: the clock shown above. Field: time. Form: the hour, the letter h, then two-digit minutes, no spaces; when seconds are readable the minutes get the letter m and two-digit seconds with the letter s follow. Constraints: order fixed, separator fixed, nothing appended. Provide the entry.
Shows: 4h20
